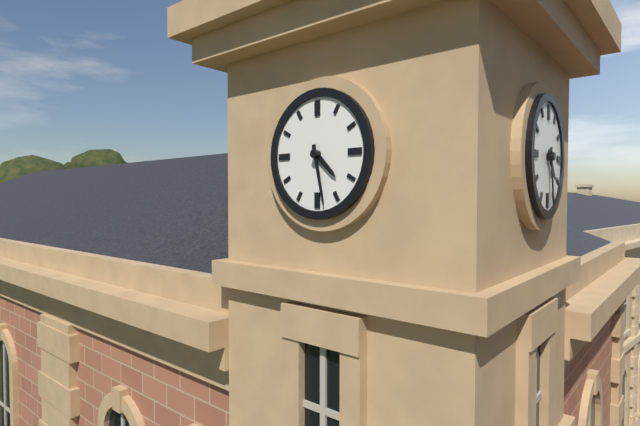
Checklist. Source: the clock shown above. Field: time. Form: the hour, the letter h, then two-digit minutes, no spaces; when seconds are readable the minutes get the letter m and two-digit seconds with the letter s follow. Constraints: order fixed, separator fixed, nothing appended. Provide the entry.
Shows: 4h28
